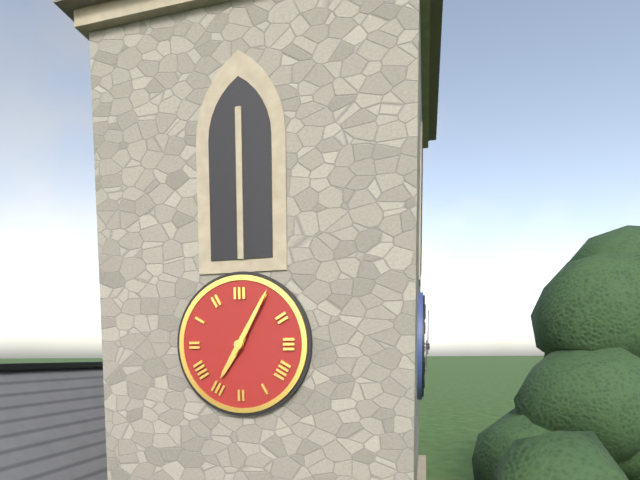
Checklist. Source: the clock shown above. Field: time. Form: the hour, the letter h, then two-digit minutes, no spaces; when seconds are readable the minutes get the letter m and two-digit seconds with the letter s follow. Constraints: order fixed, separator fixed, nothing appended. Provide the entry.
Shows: 7h05
